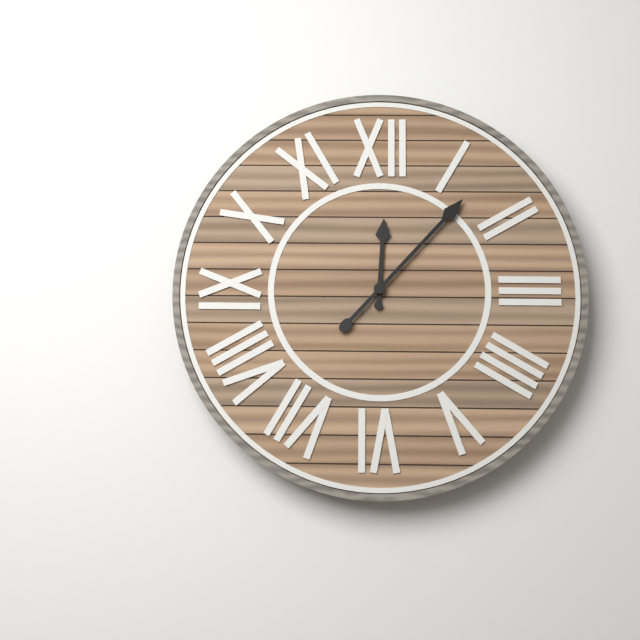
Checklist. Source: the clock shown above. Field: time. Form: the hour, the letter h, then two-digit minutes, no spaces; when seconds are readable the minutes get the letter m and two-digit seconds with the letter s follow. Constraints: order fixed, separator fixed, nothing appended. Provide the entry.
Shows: 12h07
